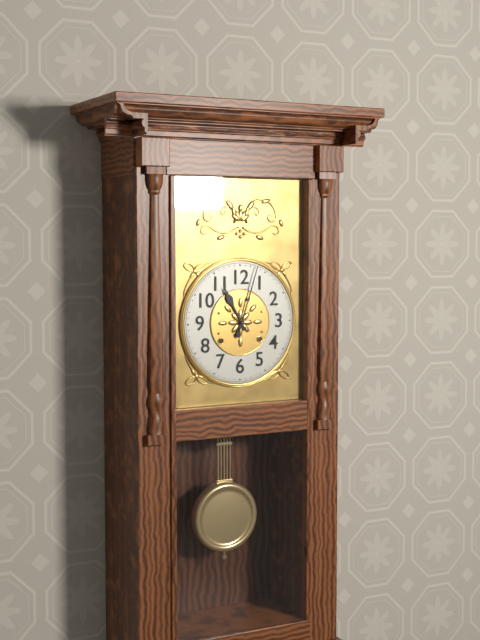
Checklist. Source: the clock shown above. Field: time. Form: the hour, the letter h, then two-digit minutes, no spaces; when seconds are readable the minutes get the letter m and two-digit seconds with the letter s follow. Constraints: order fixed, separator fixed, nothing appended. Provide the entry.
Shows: 11h03
